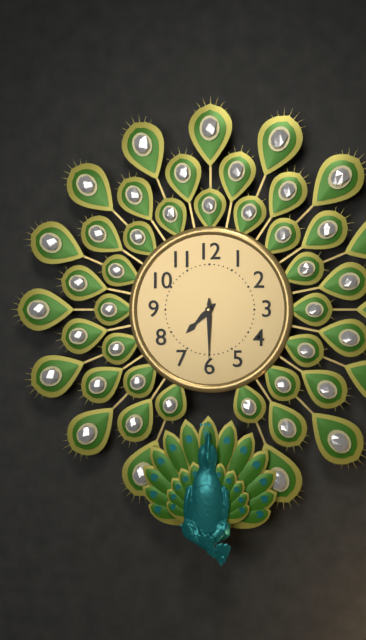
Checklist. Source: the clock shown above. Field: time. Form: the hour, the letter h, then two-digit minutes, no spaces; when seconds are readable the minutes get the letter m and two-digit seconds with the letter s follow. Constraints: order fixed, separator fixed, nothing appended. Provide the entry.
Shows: 7h30
